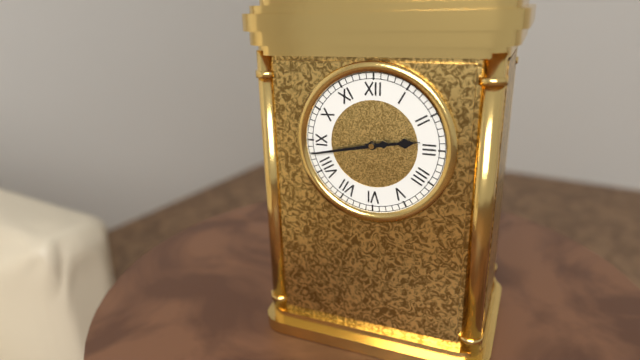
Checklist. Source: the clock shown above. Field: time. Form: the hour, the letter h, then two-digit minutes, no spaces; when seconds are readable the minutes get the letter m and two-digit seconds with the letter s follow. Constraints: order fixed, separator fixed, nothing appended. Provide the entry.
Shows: 2h43
